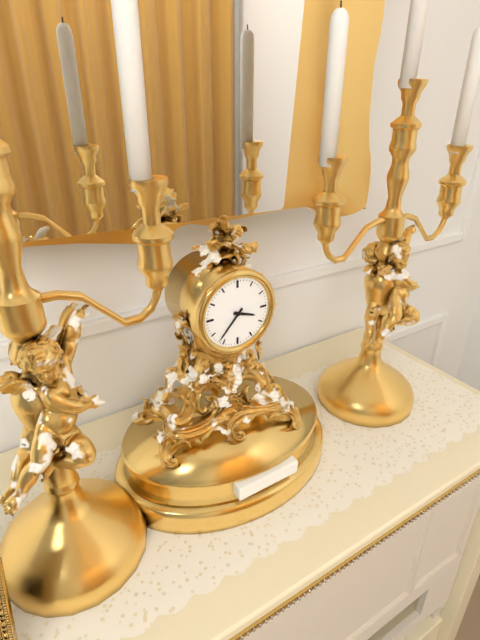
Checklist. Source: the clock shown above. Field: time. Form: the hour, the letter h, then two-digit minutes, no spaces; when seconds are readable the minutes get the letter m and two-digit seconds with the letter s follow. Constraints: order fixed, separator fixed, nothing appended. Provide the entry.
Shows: 3h37
